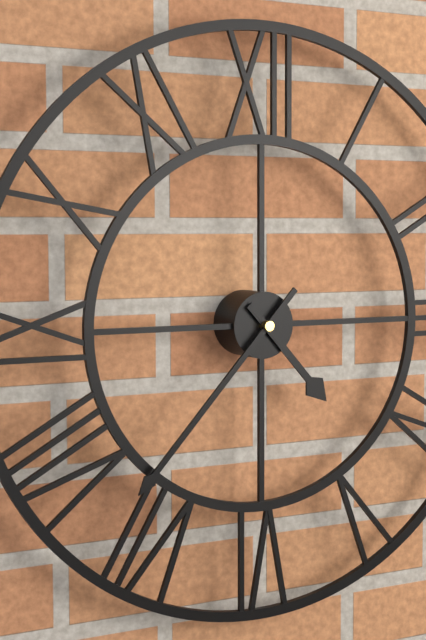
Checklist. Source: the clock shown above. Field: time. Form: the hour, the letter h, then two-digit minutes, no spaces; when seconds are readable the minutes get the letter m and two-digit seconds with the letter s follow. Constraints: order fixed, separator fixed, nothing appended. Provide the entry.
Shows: 4h37
